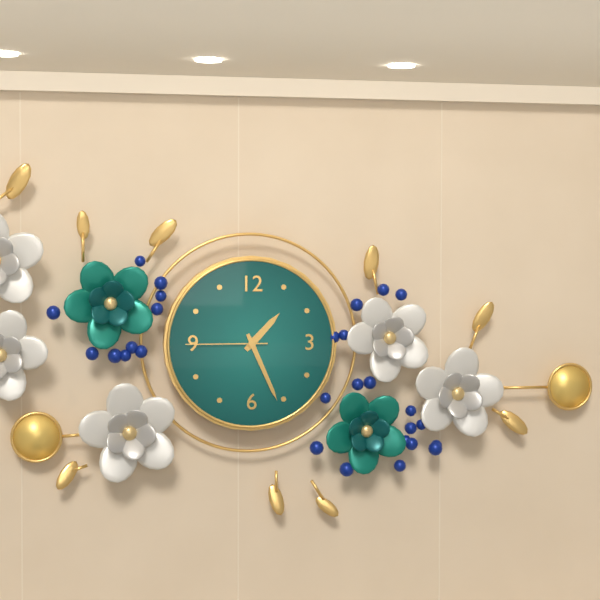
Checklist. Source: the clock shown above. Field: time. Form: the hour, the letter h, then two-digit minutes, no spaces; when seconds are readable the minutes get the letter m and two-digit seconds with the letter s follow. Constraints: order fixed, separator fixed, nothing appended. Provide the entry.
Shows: 1h26m45s
